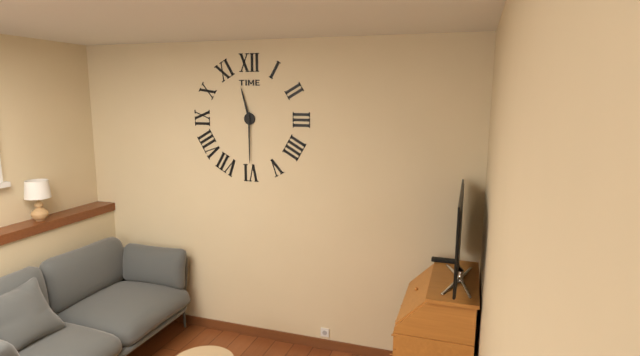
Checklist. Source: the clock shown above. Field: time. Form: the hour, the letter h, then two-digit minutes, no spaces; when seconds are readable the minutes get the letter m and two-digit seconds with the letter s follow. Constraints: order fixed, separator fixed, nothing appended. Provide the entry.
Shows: 11h30
